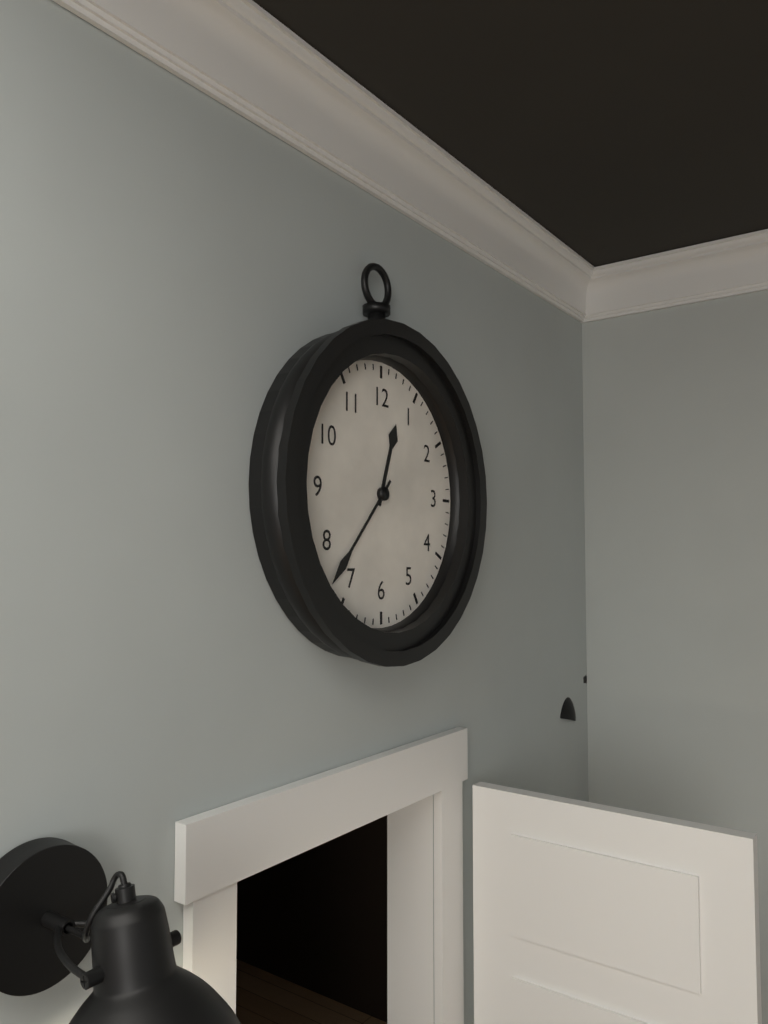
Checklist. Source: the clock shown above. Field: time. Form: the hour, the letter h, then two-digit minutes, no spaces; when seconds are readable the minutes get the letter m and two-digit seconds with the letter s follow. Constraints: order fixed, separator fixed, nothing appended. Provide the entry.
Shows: 12h37
